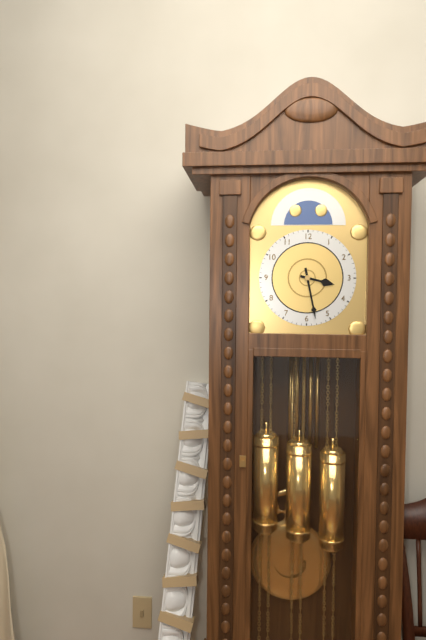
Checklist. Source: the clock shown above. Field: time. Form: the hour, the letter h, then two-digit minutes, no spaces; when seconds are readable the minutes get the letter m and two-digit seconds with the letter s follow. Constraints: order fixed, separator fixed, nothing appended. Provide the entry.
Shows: 3h28
